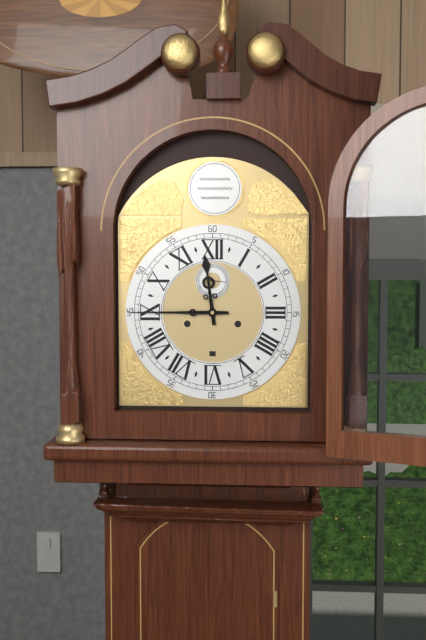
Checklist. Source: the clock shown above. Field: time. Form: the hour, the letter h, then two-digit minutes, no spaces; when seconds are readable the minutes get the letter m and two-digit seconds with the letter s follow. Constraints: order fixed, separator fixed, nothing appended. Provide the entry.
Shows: 11h45
